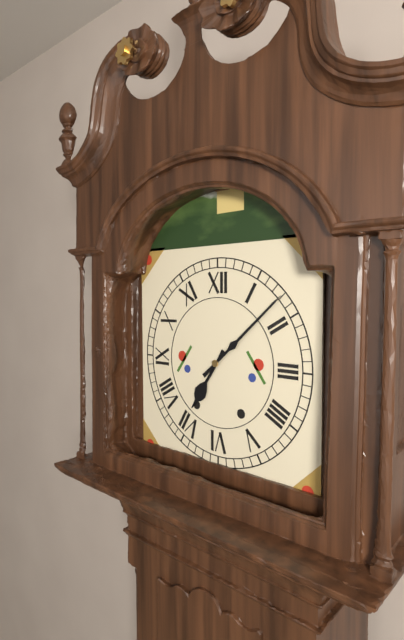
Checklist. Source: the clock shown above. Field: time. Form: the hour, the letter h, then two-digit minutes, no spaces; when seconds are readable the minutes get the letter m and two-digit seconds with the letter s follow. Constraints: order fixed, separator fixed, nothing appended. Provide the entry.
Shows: 7h08
